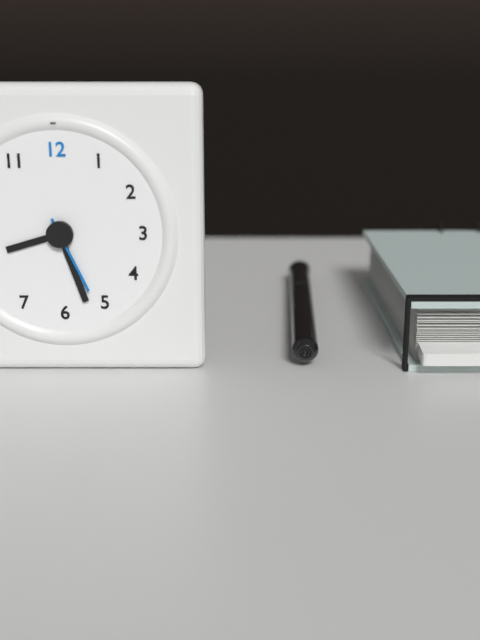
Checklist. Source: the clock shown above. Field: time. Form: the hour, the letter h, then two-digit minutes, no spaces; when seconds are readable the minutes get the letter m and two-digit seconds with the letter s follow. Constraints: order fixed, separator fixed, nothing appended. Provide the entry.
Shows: 8h27m26s
